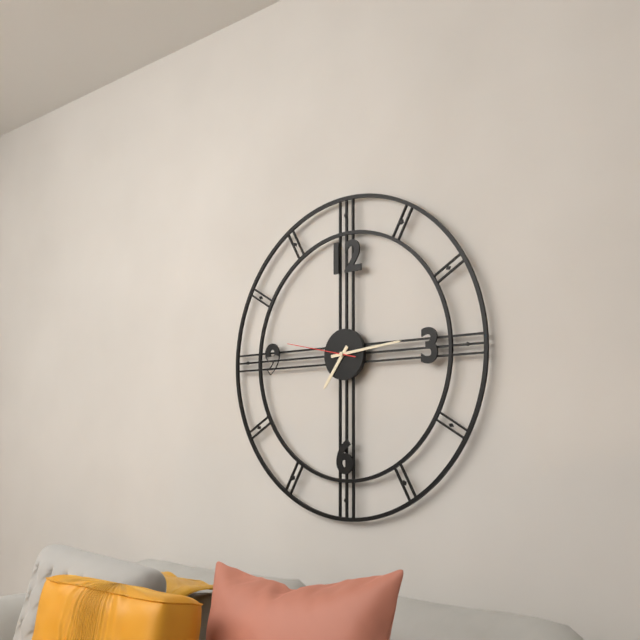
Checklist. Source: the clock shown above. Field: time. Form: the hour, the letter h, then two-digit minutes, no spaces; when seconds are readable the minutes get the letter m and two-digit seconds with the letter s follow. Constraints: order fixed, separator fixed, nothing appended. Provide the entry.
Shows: 7h14m47s
